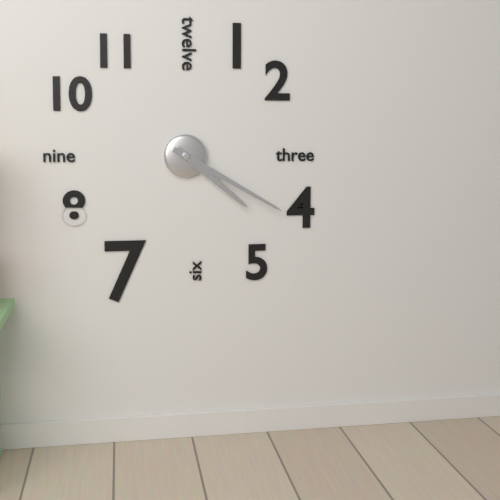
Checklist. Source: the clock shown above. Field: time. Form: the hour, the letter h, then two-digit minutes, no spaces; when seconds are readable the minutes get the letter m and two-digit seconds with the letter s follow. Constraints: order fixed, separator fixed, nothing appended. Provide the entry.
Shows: 4h20
